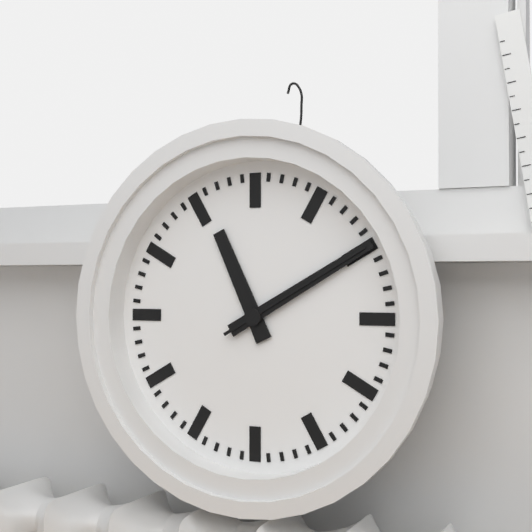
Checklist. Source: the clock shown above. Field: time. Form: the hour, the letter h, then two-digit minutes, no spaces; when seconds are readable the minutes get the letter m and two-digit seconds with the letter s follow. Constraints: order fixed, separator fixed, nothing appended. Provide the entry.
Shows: 11h10m10s
